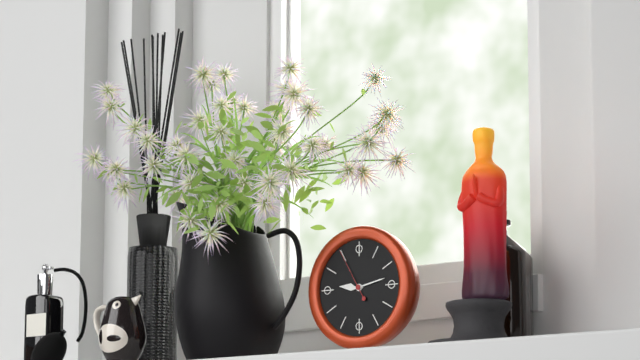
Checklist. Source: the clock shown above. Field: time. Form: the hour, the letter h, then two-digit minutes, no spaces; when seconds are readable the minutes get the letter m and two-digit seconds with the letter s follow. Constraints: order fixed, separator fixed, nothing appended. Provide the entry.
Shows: 9h13m55s
